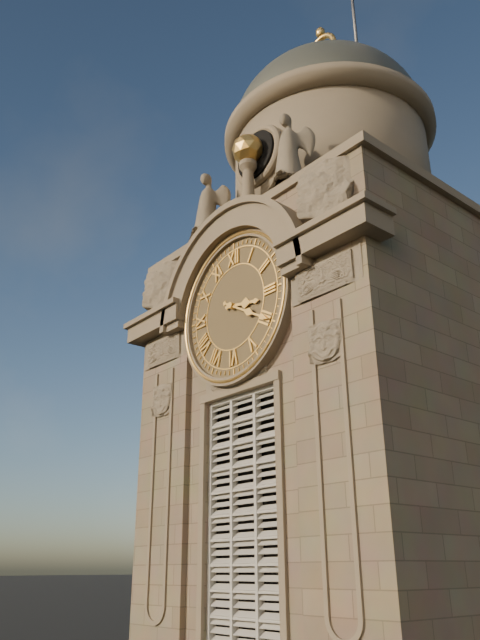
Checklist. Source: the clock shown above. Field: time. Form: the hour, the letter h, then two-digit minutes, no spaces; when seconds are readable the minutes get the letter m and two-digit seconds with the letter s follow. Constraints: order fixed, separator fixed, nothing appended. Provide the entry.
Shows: 3h20
